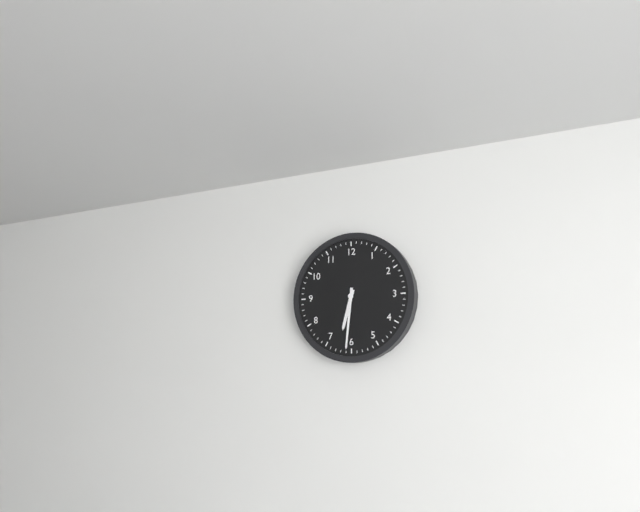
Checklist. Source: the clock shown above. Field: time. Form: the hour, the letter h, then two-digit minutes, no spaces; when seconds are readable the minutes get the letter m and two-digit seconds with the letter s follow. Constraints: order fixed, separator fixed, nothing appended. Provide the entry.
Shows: 6h31
